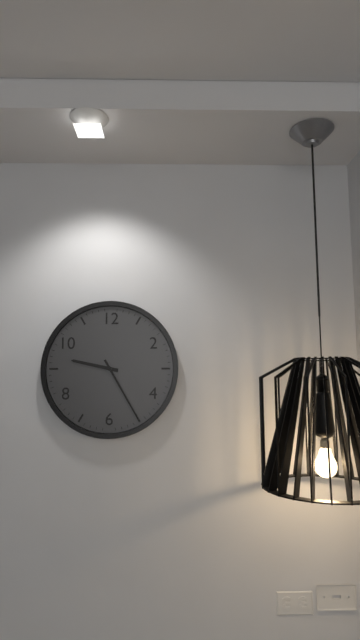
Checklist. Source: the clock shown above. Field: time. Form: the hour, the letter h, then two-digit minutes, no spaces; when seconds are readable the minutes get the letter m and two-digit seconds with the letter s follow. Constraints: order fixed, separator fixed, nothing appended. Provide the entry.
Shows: 9h25
